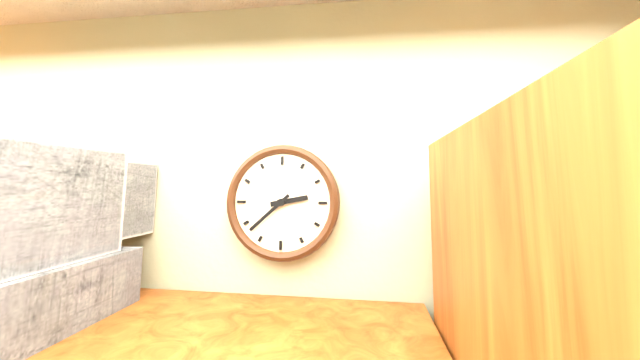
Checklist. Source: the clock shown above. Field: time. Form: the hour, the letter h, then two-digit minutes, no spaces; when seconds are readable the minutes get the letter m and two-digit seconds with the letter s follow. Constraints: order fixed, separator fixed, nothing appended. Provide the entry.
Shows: 2h38
